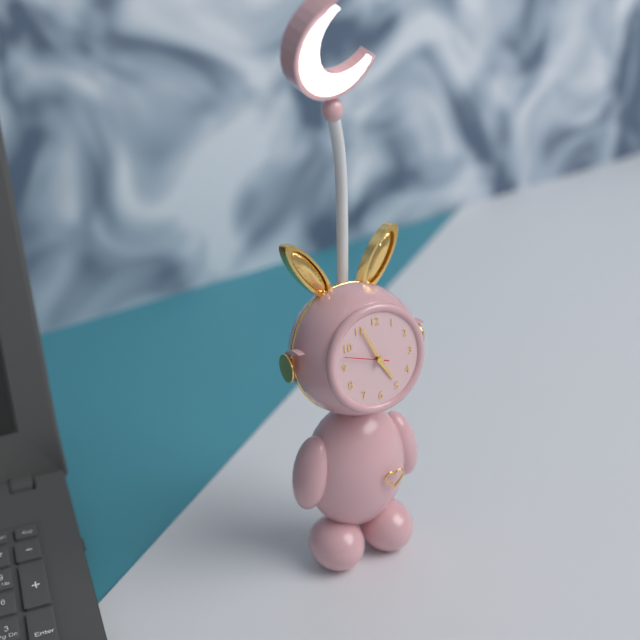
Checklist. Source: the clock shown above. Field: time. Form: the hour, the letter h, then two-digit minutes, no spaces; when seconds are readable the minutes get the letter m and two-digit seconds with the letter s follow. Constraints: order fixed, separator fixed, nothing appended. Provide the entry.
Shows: 4h56
